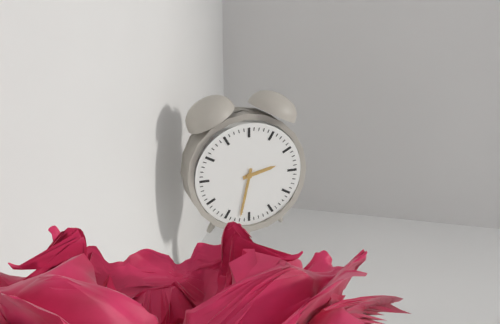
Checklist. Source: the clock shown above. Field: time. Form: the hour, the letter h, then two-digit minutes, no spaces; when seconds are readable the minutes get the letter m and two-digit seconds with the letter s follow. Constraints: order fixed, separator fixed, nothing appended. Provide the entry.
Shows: 2h32
